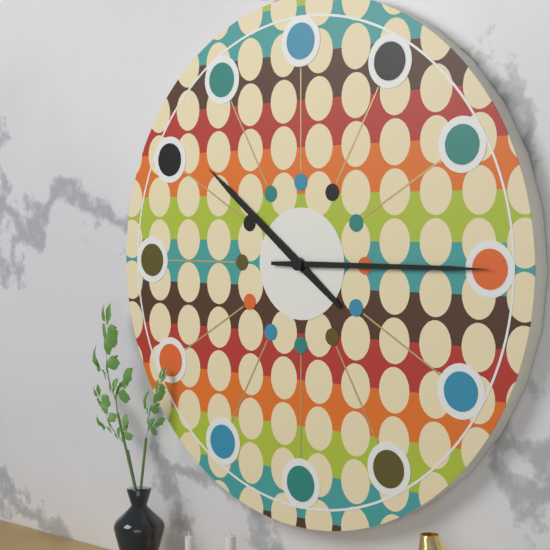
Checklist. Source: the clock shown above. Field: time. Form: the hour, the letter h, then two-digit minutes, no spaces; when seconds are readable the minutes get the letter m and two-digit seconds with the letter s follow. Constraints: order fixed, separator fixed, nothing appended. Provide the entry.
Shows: 10h15
